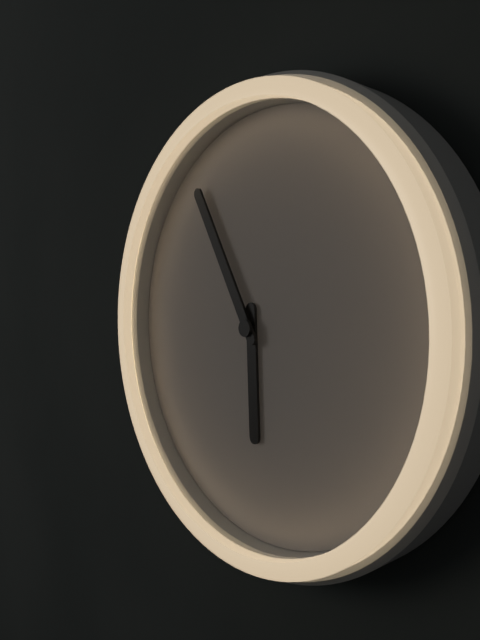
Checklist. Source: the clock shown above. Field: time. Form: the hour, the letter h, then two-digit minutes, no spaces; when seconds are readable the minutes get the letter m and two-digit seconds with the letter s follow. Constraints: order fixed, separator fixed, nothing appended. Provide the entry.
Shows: 5h55
